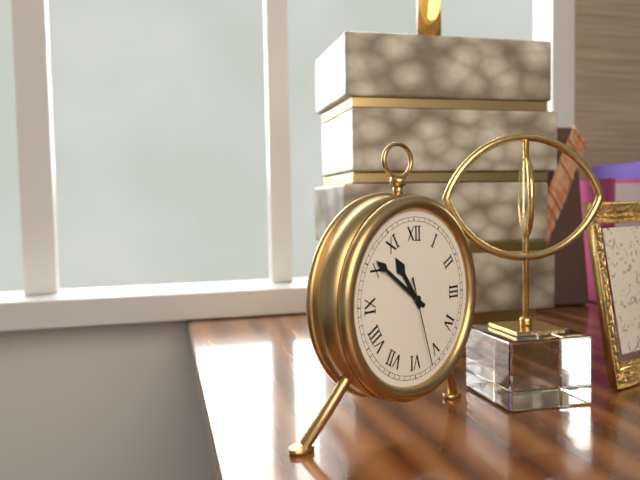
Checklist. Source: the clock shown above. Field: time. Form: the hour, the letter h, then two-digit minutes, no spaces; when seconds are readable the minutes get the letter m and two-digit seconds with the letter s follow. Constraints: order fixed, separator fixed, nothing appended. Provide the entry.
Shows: 10h51m27s
